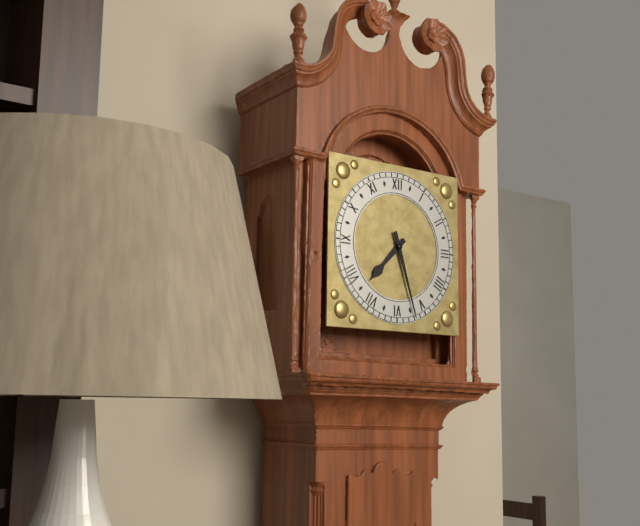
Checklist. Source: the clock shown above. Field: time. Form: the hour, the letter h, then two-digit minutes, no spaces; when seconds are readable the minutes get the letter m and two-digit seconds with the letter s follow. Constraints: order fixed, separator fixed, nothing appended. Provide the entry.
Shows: 7h27
